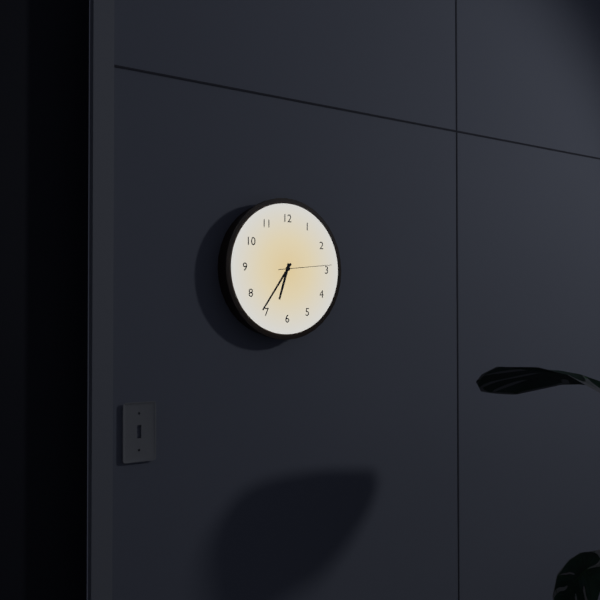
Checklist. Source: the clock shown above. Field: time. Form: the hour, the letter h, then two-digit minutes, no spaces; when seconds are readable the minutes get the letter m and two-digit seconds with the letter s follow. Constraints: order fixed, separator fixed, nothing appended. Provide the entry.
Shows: 6h36m14s
